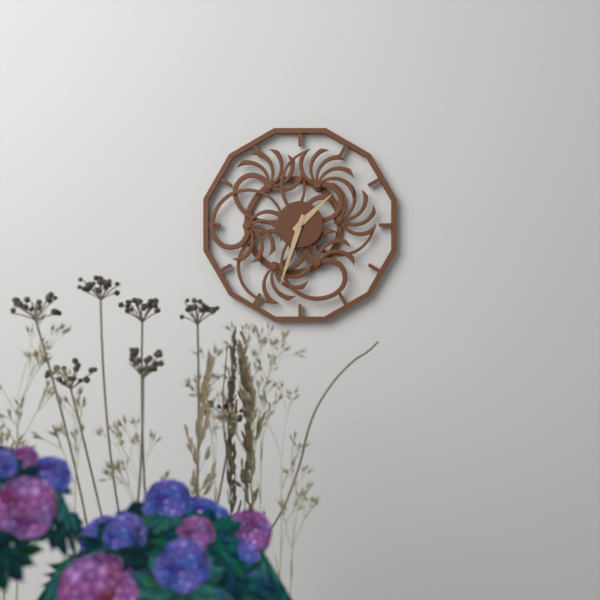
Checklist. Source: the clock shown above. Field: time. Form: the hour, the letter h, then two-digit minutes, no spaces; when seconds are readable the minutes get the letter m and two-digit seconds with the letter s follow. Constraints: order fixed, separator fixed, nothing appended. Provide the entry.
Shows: 1h33
